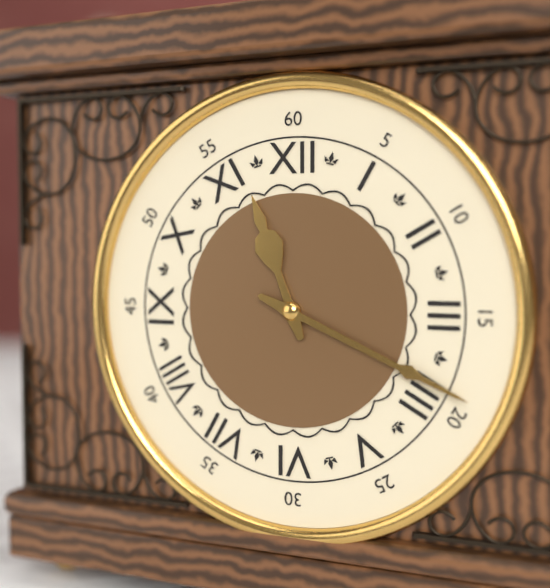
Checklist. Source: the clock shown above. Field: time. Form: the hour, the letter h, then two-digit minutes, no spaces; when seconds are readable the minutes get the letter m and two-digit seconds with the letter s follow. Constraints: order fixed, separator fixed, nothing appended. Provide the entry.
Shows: 11h19
